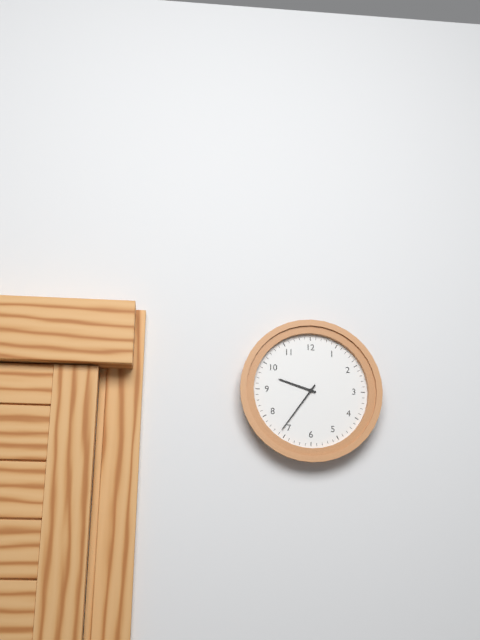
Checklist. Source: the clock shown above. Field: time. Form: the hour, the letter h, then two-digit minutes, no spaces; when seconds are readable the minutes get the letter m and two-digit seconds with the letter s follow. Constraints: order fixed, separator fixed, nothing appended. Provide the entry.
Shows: 9h36
